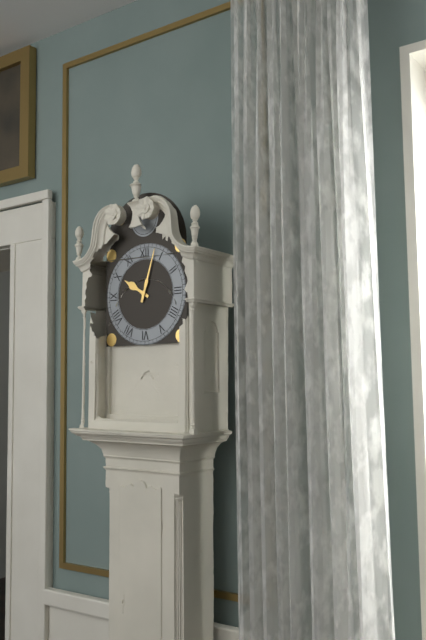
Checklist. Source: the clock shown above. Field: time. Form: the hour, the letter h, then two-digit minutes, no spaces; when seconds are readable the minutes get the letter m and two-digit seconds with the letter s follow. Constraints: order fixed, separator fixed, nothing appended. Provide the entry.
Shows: 10h03
